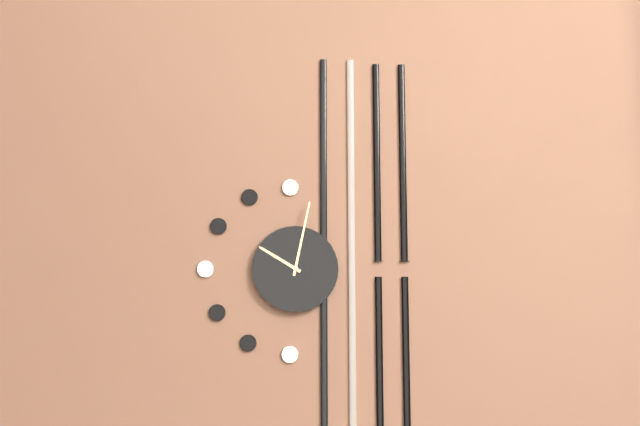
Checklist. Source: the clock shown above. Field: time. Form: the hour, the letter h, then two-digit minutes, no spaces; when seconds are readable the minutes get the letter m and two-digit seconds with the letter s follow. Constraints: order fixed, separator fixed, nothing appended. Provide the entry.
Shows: 10h02
